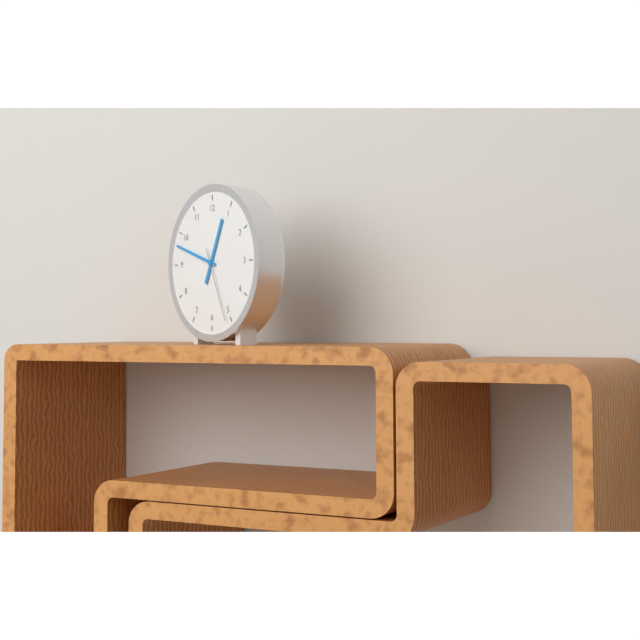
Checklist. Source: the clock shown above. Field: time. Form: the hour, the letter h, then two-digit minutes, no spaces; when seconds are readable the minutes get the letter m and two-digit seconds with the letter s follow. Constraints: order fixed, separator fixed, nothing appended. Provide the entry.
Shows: 12h48m26s
